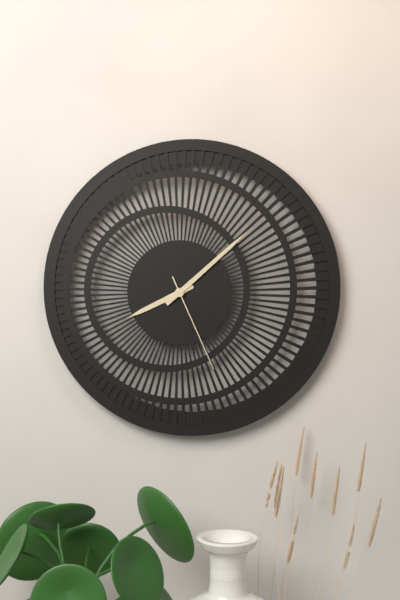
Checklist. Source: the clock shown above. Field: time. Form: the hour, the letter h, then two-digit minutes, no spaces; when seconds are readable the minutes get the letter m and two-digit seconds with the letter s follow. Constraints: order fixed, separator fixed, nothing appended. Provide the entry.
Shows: 8h08m26s
